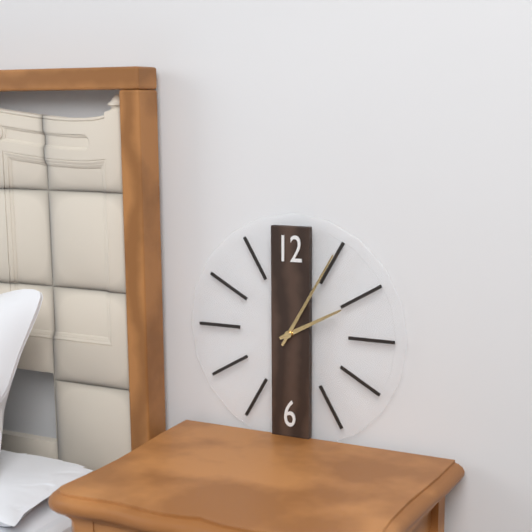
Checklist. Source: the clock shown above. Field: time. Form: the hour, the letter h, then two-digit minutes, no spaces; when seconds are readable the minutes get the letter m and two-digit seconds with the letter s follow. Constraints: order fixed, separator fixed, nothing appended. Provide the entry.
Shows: 2h05
